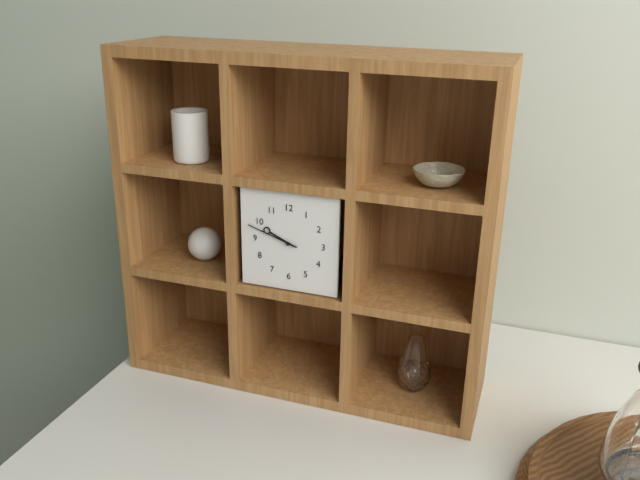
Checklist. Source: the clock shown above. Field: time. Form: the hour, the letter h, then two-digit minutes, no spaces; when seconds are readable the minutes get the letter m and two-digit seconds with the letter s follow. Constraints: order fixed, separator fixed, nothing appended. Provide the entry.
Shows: 9h48
